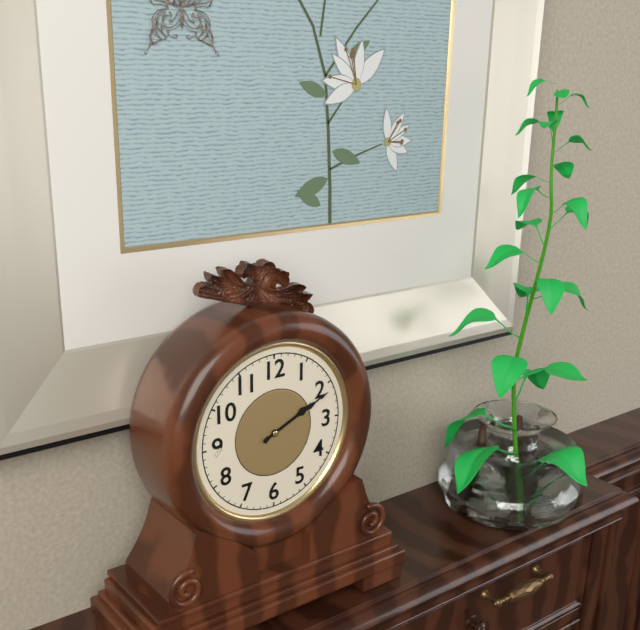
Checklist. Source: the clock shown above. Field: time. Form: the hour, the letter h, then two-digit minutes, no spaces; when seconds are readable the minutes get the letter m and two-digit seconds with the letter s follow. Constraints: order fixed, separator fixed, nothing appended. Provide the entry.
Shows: 2h11
